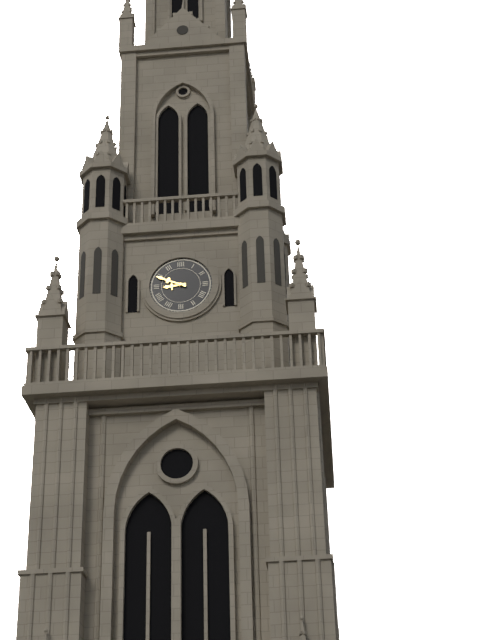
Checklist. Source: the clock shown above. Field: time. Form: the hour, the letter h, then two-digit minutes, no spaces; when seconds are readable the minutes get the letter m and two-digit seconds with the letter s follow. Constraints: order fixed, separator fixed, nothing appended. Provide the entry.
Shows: 8h49
